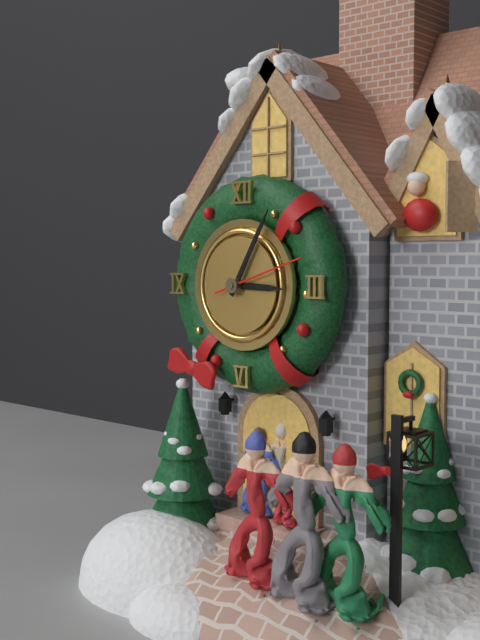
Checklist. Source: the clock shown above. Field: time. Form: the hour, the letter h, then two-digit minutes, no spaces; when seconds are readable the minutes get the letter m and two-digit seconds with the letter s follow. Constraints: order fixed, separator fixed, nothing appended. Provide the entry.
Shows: 3h05m12s
